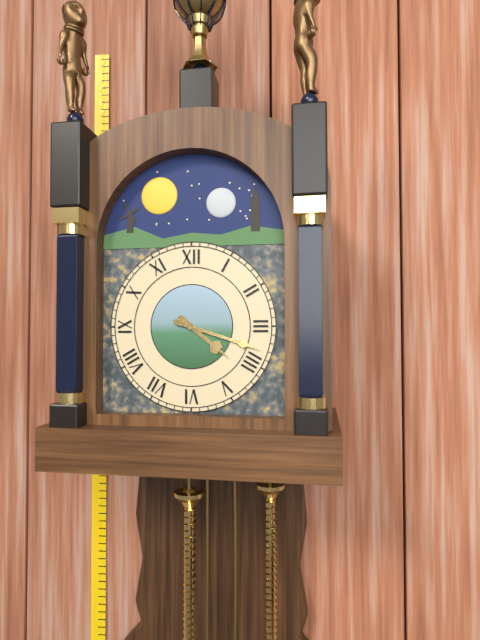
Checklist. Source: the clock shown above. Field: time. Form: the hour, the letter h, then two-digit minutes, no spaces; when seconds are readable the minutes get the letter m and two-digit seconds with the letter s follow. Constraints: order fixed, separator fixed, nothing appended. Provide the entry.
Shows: 4h18
